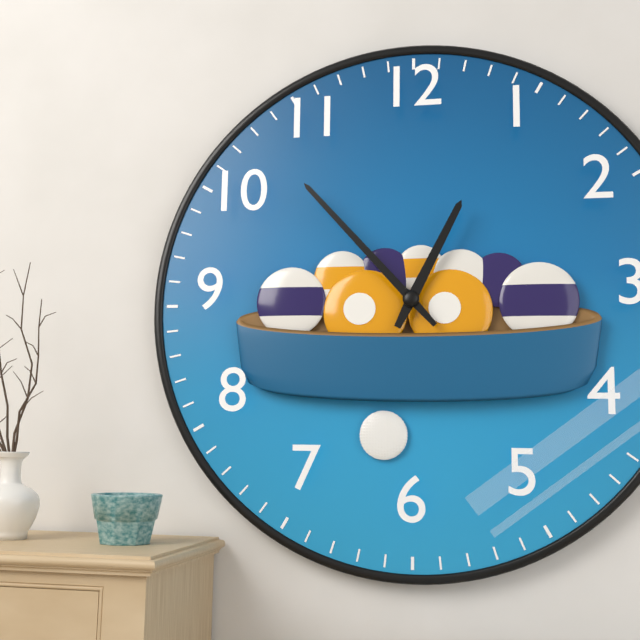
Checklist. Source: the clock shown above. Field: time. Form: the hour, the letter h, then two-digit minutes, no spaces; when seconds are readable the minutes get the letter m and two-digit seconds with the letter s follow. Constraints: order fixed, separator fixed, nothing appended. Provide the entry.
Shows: 12h53
